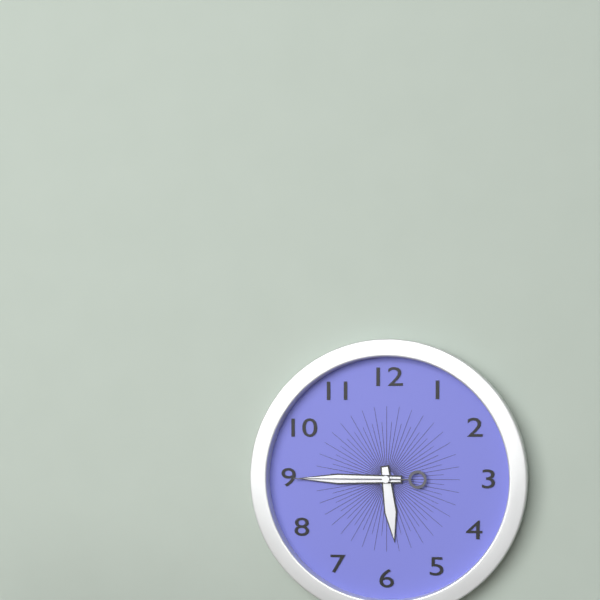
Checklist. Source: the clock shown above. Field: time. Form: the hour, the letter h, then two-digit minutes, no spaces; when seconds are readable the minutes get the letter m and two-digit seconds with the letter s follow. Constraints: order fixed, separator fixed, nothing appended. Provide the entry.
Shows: 5h45m45s
